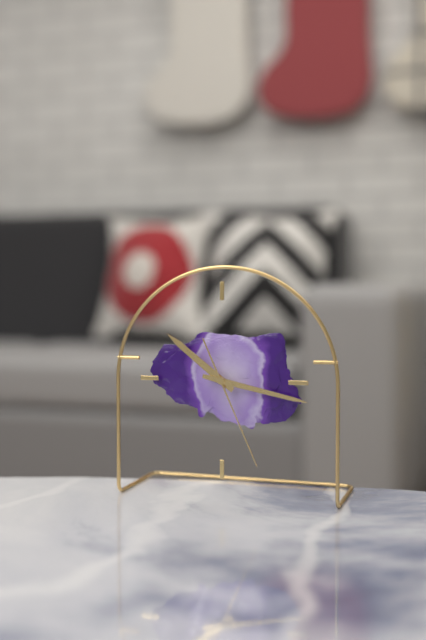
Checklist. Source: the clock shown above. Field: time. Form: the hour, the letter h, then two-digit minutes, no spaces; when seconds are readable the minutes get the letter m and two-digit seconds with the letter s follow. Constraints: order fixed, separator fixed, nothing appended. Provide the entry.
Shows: 10h17m26s
